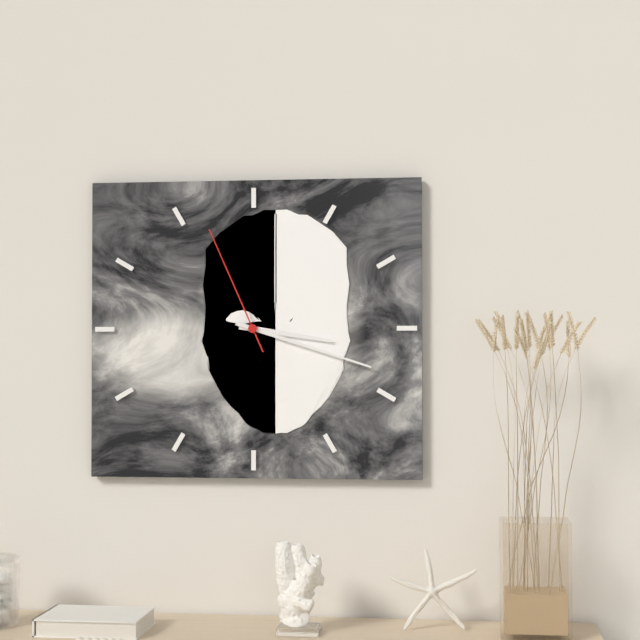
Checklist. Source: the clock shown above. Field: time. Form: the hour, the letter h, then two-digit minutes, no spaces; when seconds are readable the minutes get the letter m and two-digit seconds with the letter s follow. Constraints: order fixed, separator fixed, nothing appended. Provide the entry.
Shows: 3h18m56s
